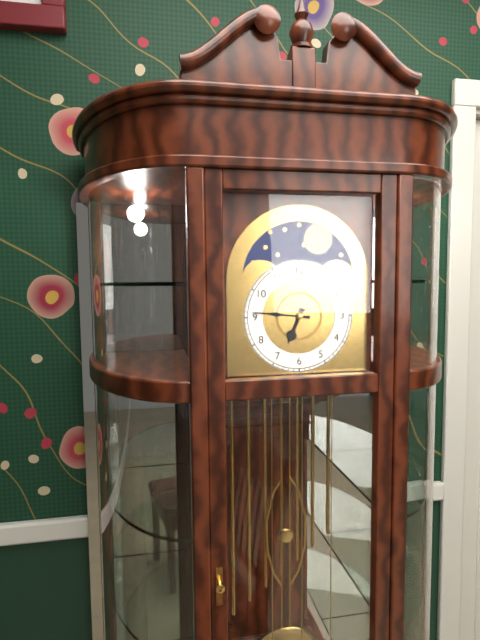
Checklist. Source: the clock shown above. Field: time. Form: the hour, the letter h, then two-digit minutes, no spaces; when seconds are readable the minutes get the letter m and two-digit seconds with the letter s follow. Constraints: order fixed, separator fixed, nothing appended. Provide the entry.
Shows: 6h46
